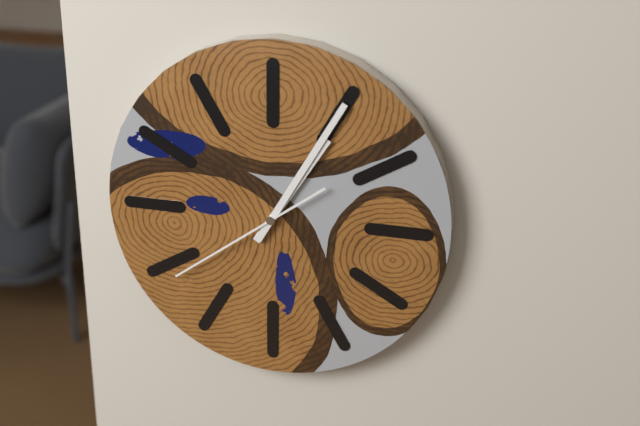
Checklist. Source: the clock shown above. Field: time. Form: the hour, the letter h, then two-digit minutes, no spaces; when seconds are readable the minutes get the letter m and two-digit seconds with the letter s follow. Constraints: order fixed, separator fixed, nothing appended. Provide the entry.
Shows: 1h05m39s
